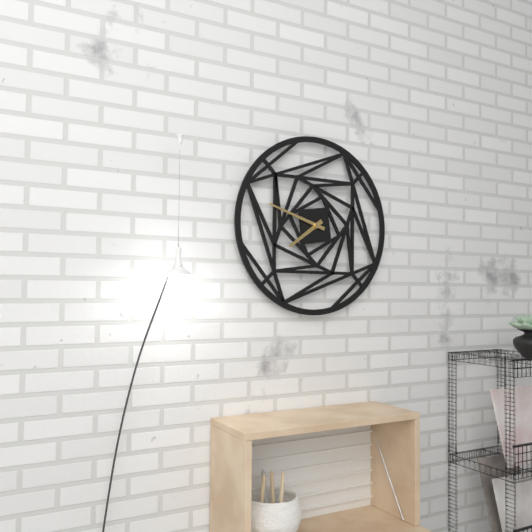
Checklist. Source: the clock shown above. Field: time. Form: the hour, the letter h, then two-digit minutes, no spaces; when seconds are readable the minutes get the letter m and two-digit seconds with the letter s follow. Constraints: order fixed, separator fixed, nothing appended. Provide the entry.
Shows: 7h48
